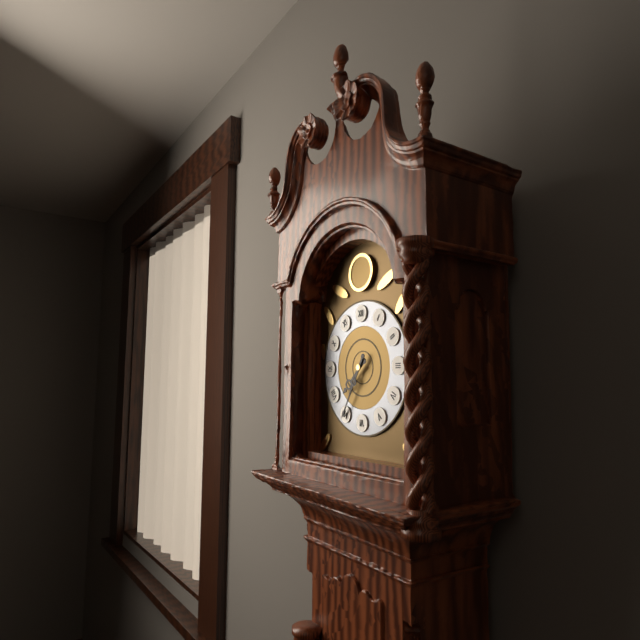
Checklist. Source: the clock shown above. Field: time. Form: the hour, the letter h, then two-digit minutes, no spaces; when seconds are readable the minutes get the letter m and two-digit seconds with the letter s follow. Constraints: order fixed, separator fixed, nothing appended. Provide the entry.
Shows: 7h35
